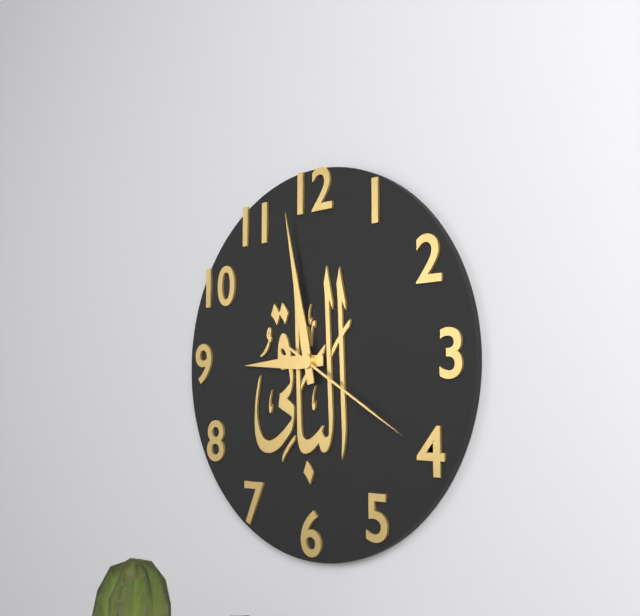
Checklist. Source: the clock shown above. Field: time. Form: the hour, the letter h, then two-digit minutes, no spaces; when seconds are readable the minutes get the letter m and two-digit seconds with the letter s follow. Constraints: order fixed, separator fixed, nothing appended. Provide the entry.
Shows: 8h58m20s
